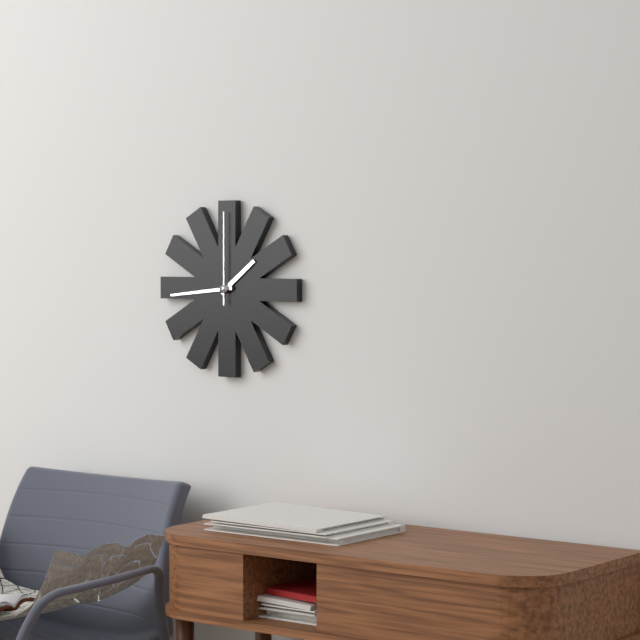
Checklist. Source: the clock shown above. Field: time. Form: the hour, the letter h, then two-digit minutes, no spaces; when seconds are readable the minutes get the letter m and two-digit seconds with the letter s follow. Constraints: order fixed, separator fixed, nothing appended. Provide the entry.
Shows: 1h44m00s
